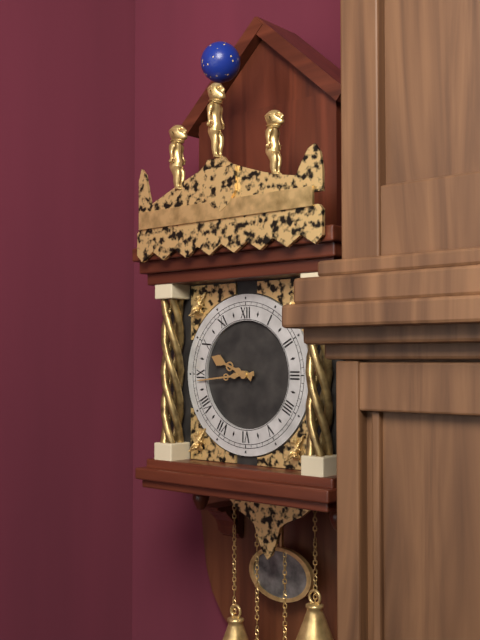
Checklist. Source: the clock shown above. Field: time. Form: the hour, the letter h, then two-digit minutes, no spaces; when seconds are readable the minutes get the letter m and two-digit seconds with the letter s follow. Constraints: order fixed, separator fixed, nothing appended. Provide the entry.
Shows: 9h44
